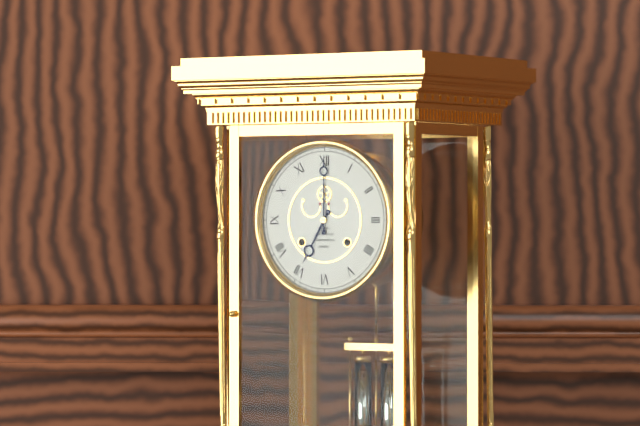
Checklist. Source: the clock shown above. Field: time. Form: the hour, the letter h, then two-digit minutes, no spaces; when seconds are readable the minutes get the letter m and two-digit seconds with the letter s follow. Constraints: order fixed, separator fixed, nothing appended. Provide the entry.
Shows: 7h00
